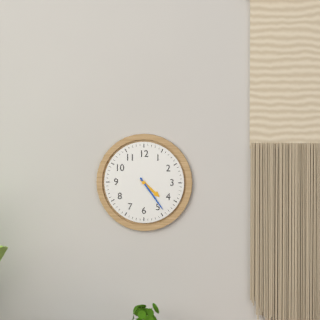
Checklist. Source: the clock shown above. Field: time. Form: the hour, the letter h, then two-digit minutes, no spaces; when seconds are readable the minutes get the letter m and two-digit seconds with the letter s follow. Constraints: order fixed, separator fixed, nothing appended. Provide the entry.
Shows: 4h24
